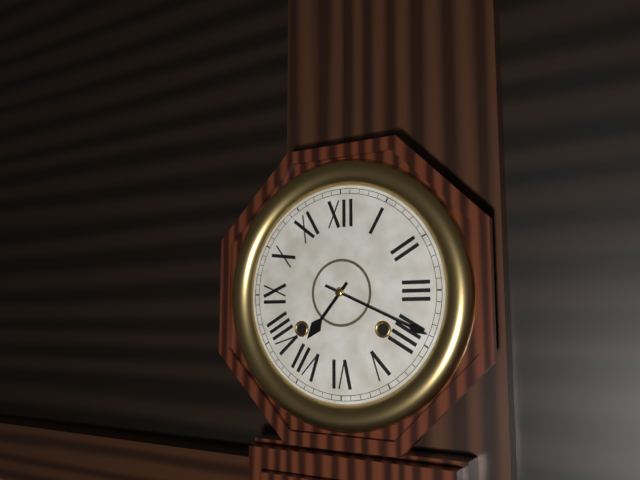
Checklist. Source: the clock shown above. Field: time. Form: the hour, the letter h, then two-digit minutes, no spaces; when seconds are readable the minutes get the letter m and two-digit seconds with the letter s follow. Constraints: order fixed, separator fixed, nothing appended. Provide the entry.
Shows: 7h19
